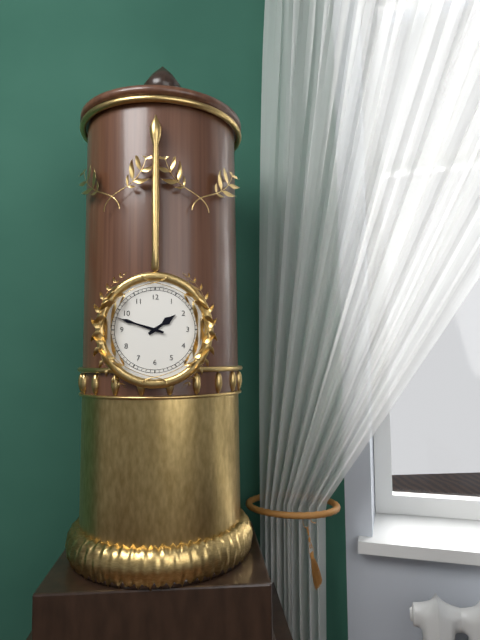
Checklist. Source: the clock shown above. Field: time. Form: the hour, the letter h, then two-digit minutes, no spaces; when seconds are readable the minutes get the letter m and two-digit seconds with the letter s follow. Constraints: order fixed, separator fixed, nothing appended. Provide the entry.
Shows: 1h48
